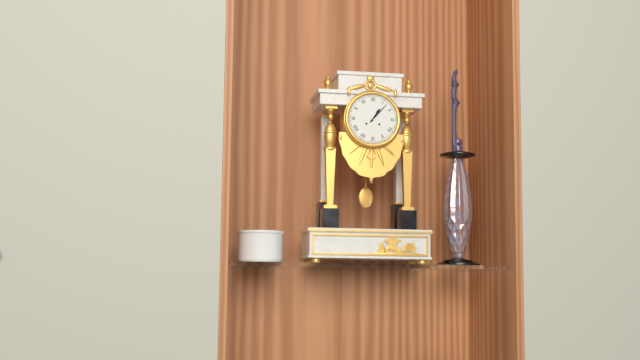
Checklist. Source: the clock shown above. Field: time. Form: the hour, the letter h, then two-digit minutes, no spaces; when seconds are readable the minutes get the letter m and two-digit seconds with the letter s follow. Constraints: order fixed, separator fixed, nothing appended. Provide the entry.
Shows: 1h07
